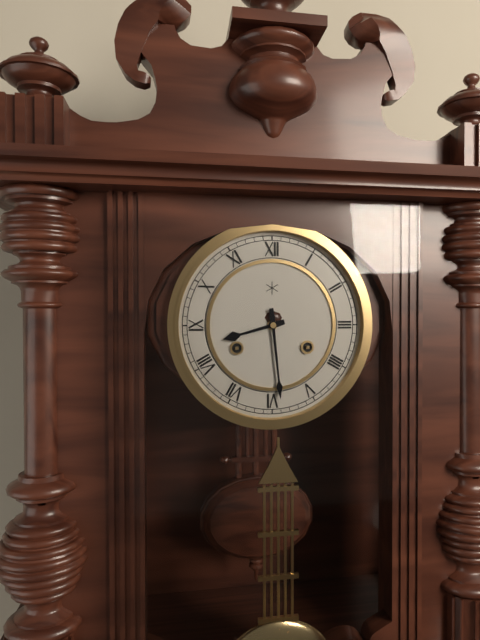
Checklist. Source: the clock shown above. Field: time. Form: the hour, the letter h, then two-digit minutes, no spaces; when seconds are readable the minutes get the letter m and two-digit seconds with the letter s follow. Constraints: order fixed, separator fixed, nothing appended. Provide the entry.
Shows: 8h29
